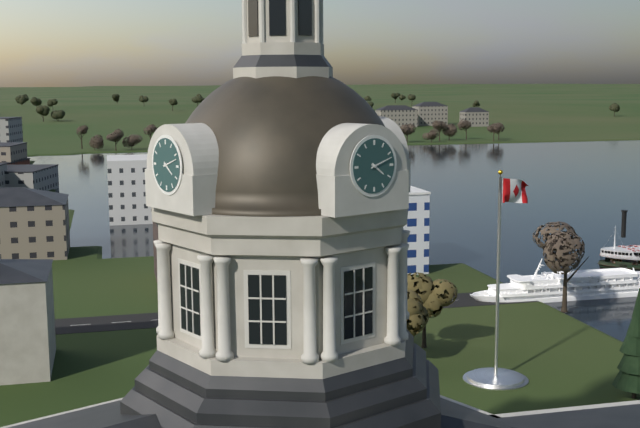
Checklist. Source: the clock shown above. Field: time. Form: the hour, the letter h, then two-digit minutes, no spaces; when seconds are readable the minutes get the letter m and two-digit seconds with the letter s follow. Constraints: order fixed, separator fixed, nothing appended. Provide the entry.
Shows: 4h12
